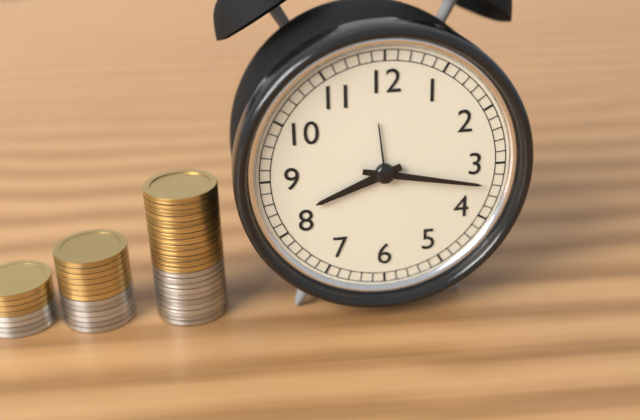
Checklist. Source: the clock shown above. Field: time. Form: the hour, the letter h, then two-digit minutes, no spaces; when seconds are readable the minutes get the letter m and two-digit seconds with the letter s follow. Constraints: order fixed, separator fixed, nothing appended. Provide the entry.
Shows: 8h17
